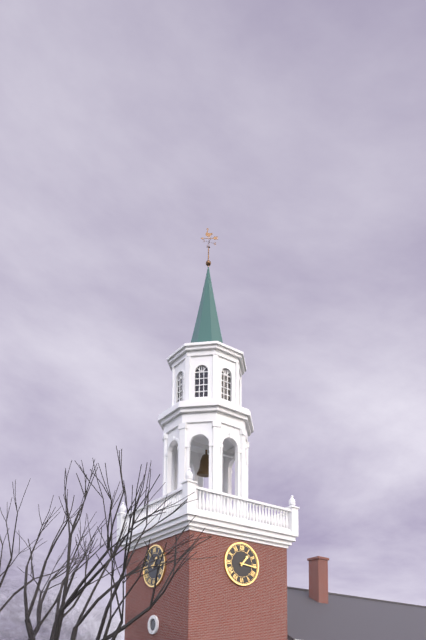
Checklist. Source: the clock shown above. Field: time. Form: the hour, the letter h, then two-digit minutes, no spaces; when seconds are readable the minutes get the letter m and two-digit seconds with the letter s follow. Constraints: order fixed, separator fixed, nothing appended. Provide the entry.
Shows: 1h16
